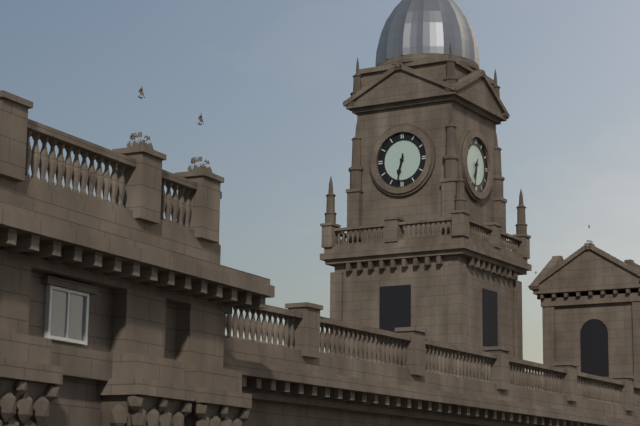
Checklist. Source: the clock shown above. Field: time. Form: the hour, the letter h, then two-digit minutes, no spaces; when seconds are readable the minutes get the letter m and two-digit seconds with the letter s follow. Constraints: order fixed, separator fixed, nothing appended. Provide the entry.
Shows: 6h32
